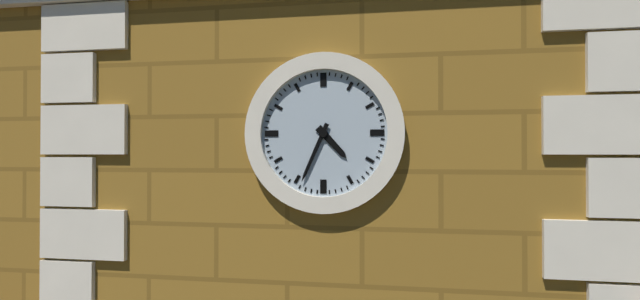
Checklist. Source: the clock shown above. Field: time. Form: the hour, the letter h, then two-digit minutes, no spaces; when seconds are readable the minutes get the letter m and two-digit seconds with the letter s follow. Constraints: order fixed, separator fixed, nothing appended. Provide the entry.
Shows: 4h34
